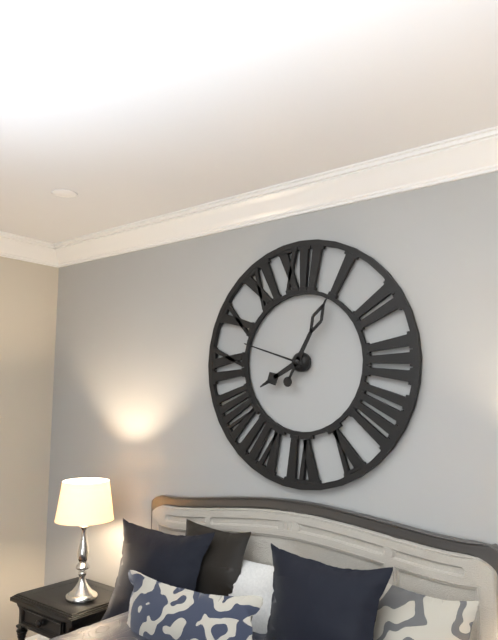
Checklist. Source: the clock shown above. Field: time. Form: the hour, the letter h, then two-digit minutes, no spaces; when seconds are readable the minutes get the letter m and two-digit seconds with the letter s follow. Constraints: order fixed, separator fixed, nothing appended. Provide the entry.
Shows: 8h05m48s
